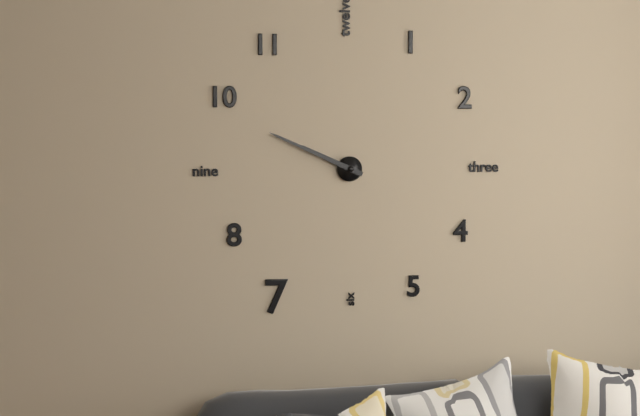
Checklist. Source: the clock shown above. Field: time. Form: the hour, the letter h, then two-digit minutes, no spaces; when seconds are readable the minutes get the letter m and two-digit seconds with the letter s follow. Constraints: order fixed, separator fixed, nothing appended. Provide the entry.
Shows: 9h49
